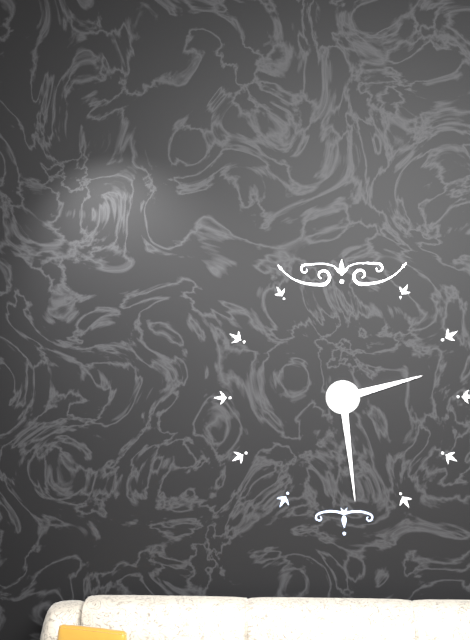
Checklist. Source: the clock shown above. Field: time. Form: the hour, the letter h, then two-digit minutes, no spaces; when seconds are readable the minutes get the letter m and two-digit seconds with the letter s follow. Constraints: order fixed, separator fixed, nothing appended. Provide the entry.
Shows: 2h29
